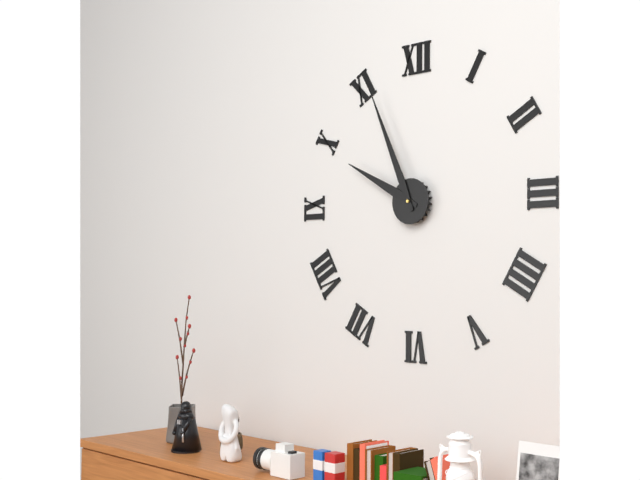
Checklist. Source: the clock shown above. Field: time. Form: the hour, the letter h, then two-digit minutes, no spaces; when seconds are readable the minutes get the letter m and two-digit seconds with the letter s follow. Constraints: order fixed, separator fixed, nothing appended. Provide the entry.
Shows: 9h56
